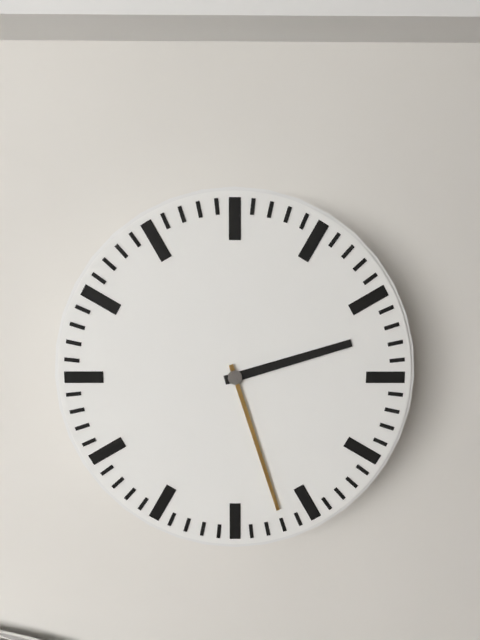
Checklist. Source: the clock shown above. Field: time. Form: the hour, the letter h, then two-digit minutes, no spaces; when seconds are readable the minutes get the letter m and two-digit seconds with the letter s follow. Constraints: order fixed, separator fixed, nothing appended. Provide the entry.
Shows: 2h27
